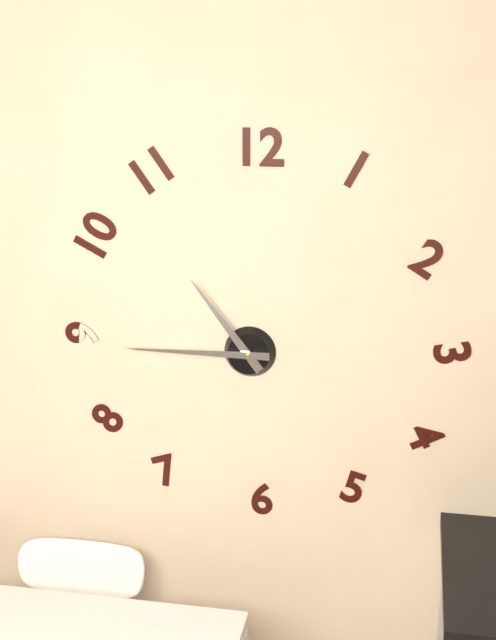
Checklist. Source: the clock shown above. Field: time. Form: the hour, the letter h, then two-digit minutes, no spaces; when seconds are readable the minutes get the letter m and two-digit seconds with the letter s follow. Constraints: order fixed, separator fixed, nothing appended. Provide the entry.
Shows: 10h45
